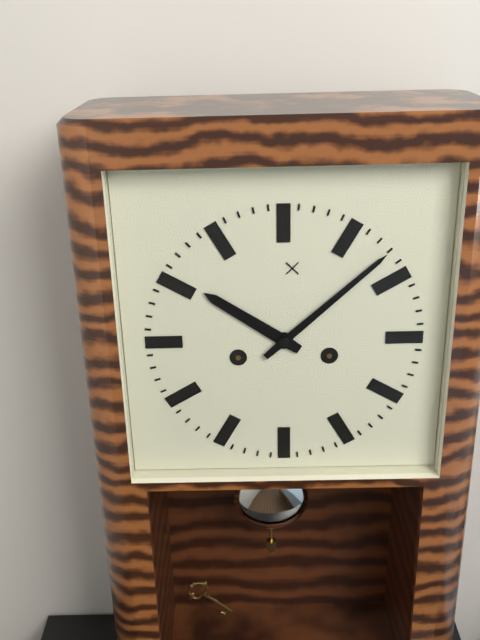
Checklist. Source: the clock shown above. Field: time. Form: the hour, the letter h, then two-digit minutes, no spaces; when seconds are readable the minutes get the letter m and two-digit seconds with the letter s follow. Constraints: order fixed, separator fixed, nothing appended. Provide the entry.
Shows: 10h08
